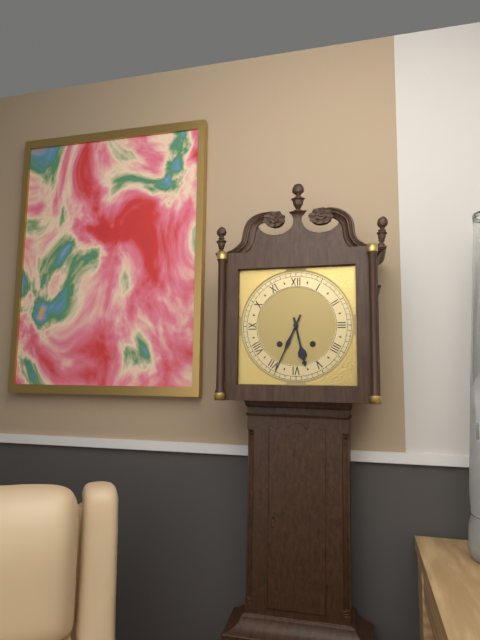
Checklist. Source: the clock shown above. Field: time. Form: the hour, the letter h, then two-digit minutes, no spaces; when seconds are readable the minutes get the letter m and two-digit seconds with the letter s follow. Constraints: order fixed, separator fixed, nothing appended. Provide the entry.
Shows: 5h34
